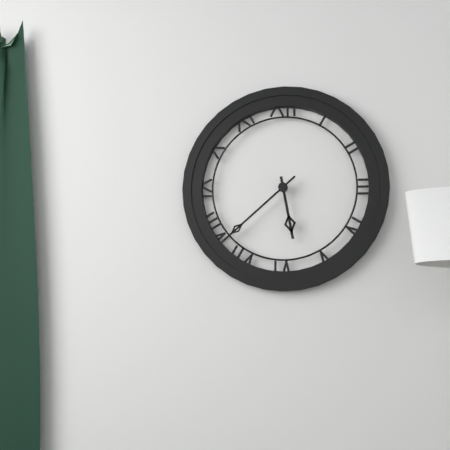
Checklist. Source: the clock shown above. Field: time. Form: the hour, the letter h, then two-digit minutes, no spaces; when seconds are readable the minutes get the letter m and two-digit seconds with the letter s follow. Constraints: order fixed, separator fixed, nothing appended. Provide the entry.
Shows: 5h38
